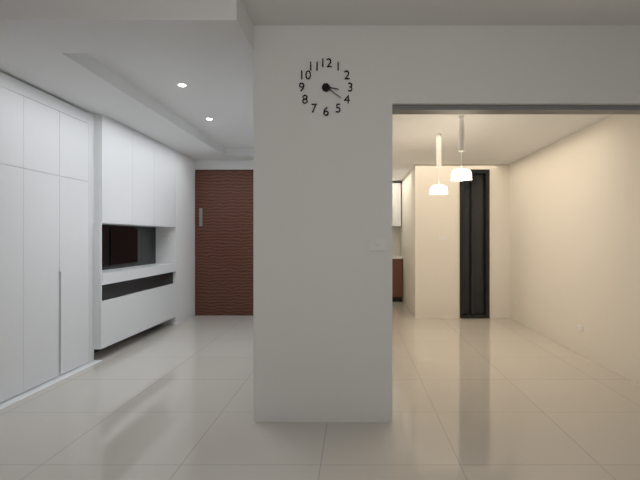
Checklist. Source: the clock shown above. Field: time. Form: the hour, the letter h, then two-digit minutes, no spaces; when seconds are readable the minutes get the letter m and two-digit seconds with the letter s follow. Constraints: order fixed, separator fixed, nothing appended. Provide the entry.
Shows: 3h21
